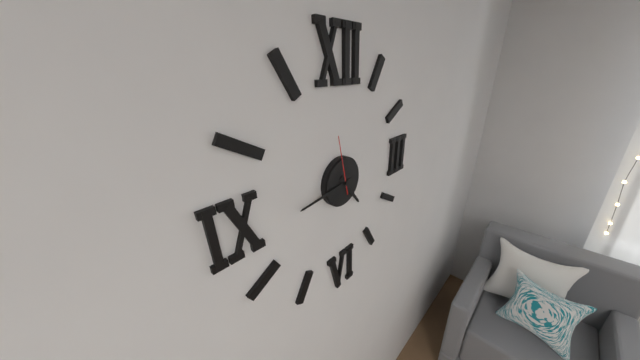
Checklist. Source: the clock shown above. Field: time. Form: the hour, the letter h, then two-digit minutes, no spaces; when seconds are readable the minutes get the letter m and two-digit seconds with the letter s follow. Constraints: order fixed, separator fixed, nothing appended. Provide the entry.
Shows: 4h44m58s
